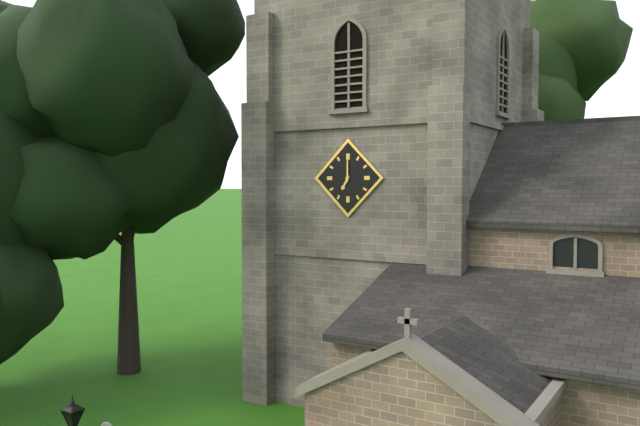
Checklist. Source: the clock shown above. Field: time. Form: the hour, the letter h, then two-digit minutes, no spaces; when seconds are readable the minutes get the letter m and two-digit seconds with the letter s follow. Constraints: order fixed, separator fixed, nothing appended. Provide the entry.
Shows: 7h00
